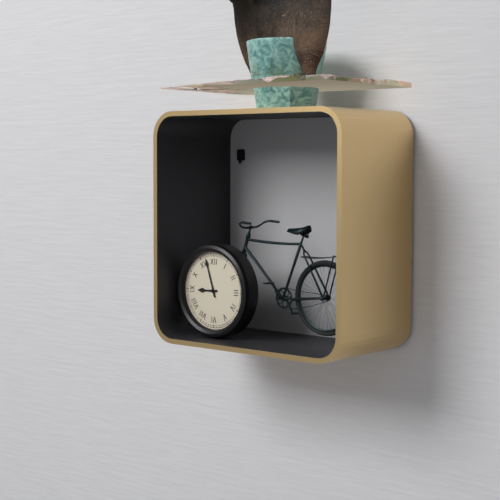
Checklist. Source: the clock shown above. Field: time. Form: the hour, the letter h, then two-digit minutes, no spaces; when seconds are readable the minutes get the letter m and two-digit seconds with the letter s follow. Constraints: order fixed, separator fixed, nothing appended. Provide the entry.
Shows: 8h57
